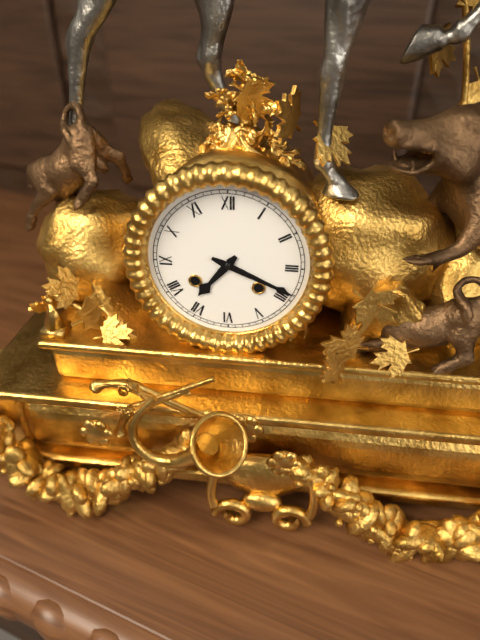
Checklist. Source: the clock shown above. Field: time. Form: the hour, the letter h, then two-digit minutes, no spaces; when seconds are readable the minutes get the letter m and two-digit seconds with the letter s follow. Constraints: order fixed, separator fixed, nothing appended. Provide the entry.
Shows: 7h19
